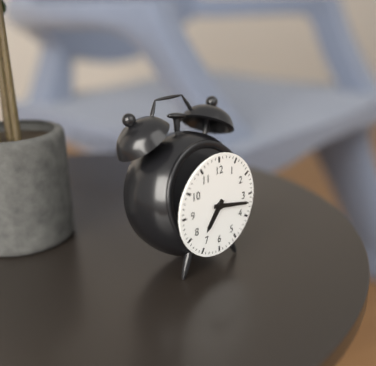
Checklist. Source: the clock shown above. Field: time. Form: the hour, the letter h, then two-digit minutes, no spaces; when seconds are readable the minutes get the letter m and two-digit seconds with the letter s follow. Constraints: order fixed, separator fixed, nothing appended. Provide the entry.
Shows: 7h17
